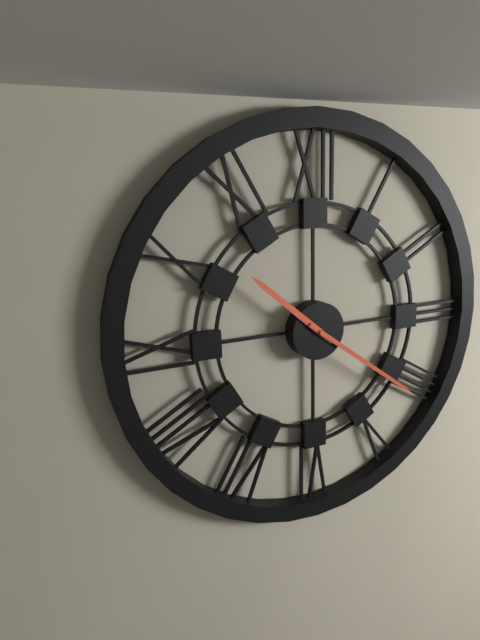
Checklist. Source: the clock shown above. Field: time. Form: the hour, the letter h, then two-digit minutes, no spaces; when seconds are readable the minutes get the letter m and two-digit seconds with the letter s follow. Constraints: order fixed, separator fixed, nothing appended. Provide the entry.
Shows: 10h21
